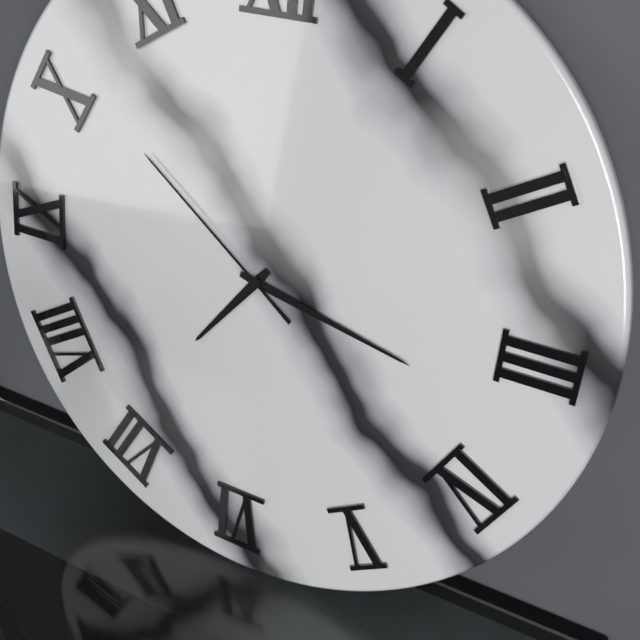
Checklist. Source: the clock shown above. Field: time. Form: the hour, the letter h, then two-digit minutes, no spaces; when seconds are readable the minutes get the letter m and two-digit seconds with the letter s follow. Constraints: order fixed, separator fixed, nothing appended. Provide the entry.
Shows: 7h17m51s
